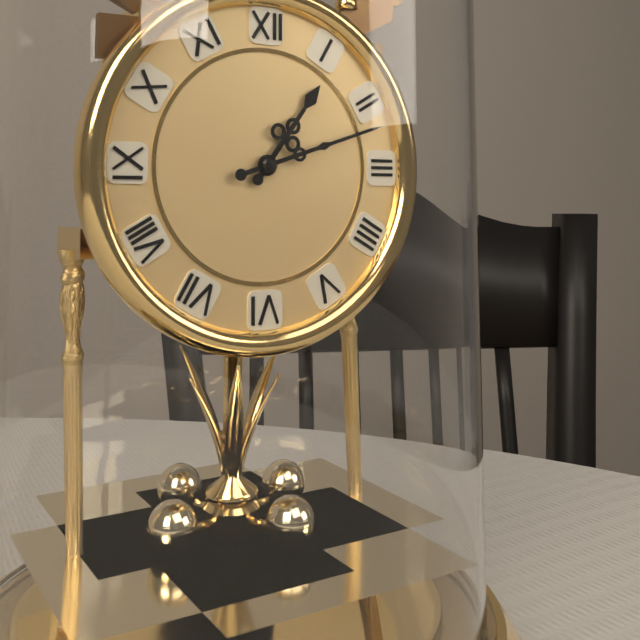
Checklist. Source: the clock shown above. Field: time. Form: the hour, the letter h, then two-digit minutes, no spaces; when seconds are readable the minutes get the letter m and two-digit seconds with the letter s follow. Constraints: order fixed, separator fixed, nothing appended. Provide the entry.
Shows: 1h12
